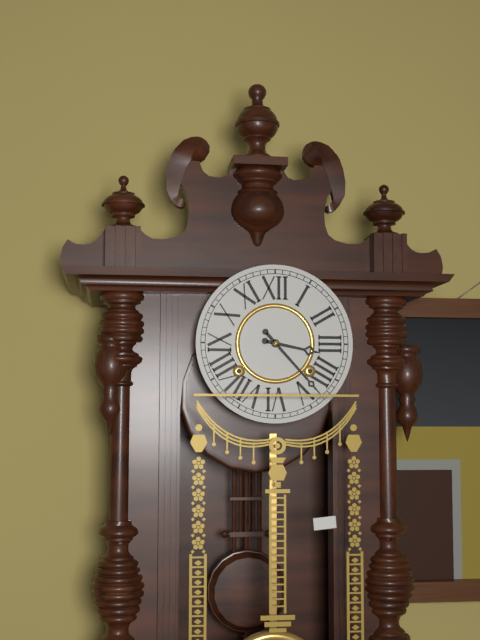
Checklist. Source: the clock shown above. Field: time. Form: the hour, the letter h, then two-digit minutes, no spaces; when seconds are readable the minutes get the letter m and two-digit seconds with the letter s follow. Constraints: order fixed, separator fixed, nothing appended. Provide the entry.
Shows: 3h23
